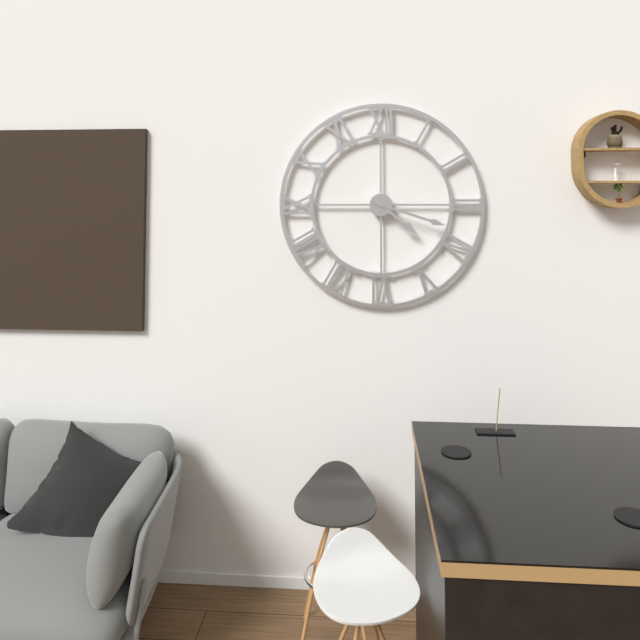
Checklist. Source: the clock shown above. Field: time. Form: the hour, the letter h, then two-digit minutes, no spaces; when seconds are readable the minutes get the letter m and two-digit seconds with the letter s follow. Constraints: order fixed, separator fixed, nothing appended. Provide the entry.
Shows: 4h18
